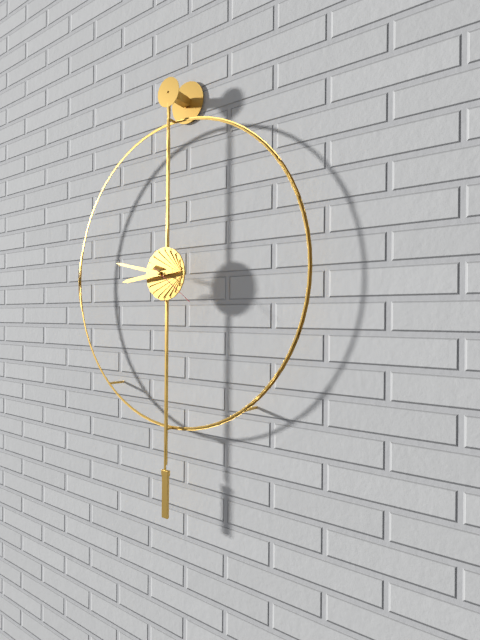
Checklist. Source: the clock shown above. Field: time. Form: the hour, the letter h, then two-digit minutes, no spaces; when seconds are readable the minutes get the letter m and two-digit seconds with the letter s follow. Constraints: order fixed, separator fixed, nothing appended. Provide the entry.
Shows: 8h47m21s
